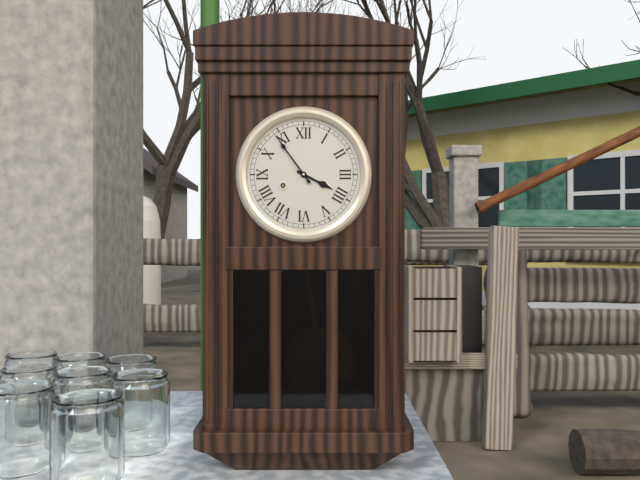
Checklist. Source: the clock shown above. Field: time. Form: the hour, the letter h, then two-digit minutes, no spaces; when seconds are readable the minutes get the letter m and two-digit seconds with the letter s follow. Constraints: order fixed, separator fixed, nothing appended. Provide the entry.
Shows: 3h54
